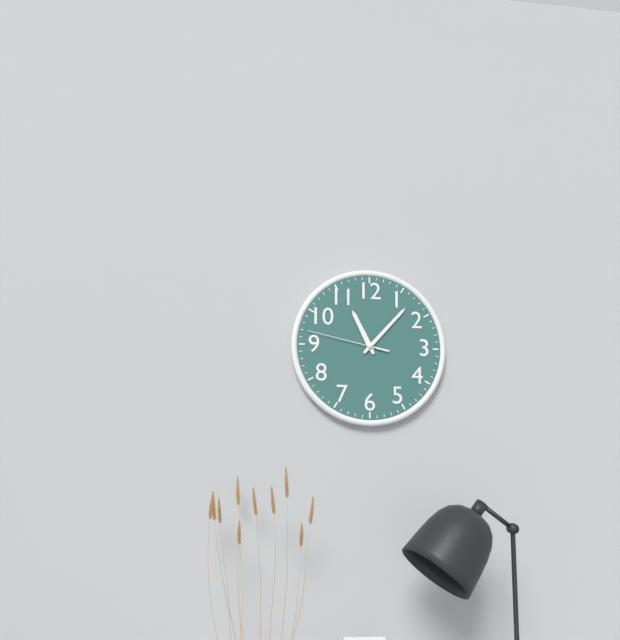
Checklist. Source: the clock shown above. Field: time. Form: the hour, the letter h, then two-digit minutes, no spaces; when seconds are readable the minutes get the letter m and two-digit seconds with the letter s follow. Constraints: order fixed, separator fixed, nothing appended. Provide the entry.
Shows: 11h07m47s
